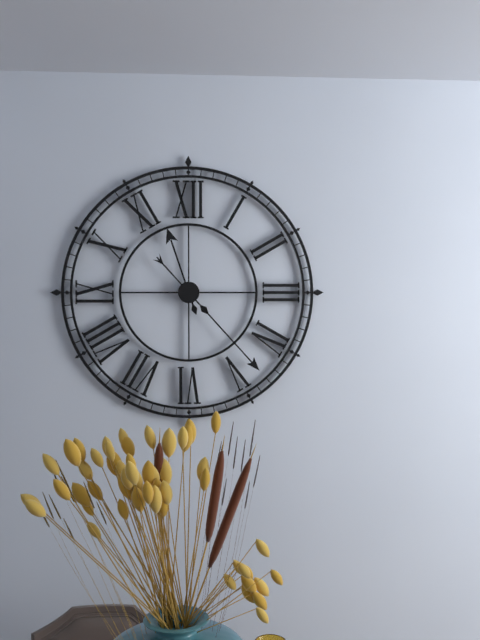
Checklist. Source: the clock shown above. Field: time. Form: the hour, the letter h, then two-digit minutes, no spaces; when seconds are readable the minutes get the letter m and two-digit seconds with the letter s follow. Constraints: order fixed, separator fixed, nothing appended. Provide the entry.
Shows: 11h23
